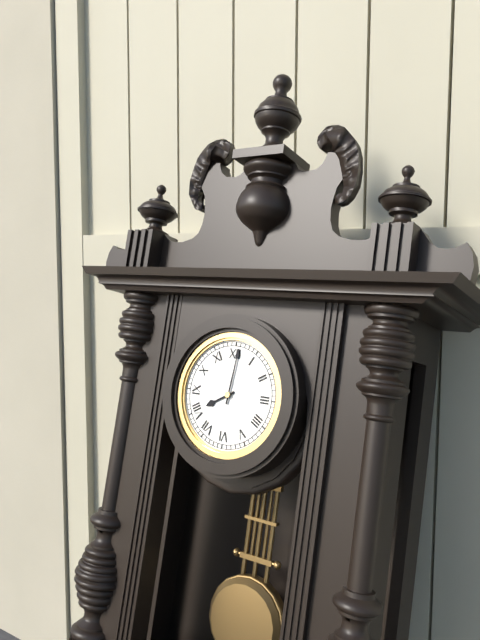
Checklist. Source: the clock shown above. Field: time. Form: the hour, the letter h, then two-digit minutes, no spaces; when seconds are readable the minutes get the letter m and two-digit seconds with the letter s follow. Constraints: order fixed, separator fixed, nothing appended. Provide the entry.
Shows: 8h01
